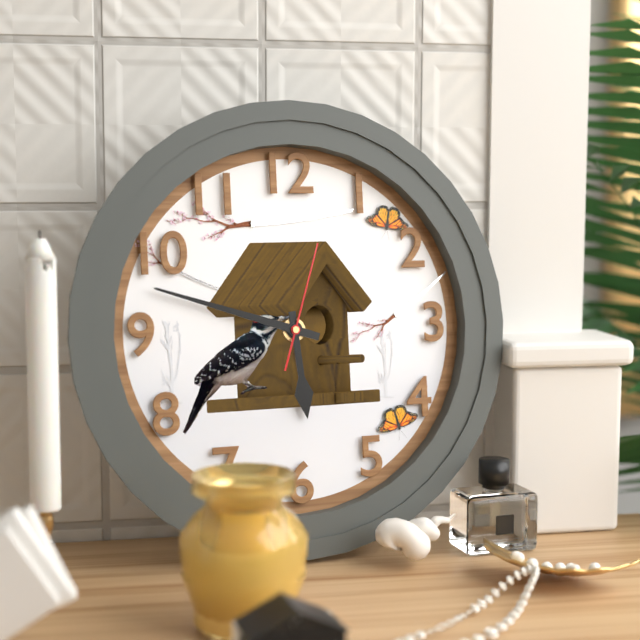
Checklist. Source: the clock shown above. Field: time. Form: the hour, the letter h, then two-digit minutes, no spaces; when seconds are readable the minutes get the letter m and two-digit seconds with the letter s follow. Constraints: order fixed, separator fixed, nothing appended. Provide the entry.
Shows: 5h48m03s
